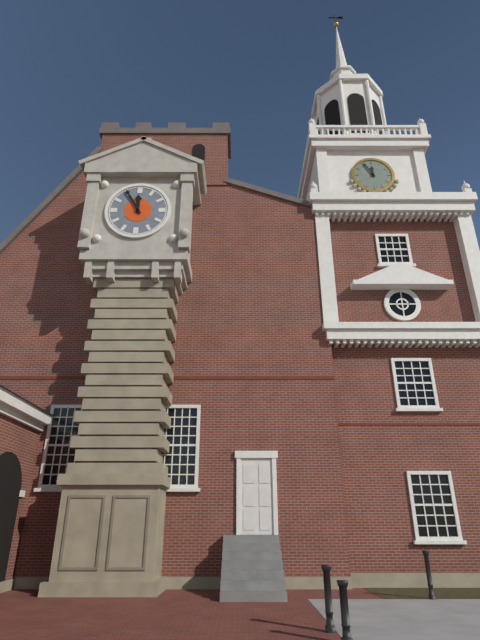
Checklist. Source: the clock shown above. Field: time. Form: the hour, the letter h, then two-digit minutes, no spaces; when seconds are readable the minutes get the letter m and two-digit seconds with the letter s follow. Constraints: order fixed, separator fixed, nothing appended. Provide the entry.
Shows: 11h55
